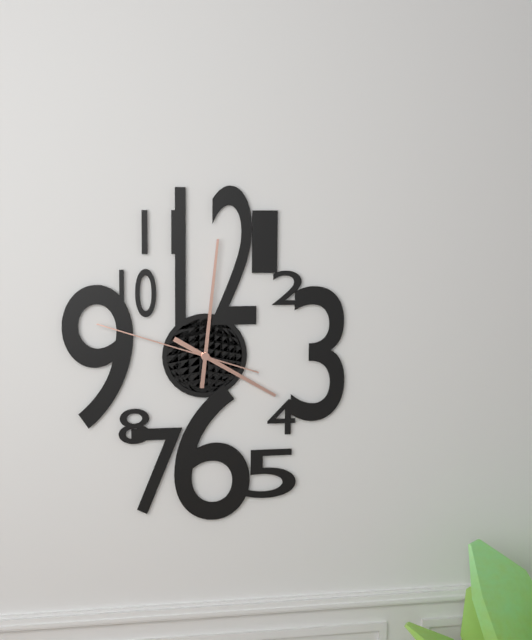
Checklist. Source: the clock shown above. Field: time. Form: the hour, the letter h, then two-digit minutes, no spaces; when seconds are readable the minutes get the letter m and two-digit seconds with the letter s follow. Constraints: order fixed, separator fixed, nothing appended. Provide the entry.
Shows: 4h01m48s
